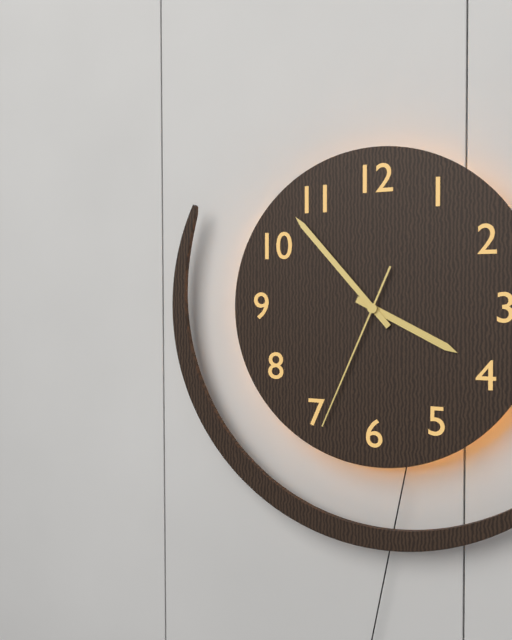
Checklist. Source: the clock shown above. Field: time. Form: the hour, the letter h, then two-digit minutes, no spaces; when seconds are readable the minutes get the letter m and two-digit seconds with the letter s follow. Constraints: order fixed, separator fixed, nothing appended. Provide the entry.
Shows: 3h53m34s
